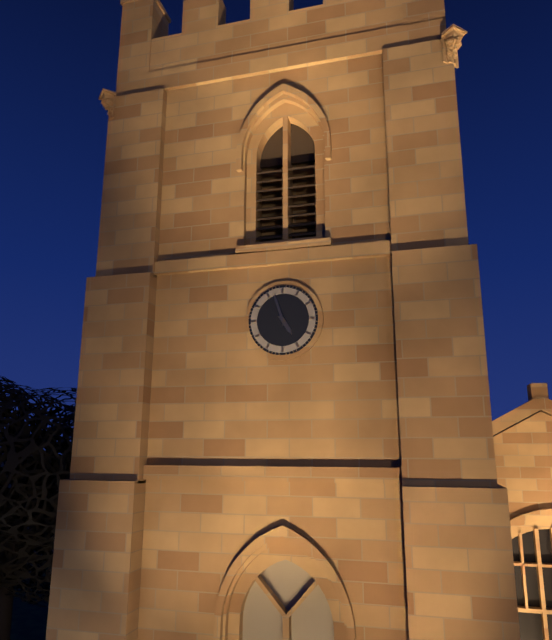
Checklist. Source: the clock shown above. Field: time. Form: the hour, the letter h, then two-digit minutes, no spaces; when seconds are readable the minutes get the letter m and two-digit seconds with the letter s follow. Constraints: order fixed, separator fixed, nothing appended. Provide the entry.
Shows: 4h57
